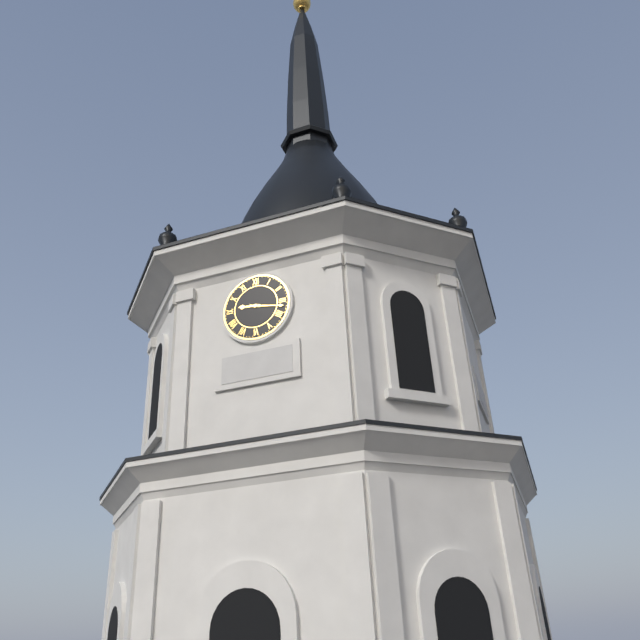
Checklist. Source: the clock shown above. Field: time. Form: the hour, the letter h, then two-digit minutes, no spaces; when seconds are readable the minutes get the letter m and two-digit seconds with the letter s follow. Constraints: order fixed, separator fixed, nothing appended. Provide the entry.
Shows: 9h17
